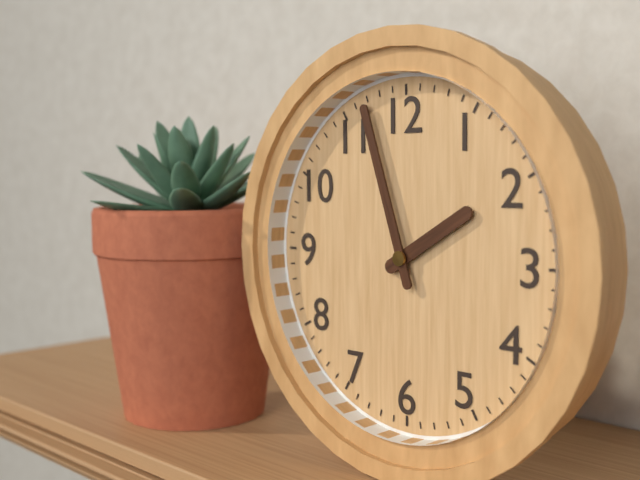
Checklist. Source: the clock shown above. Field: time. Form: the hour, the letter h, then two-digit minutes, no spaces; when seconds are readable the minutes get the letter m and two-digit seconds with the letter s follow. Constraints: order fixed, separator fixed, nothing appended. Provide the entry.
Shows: 1h57
